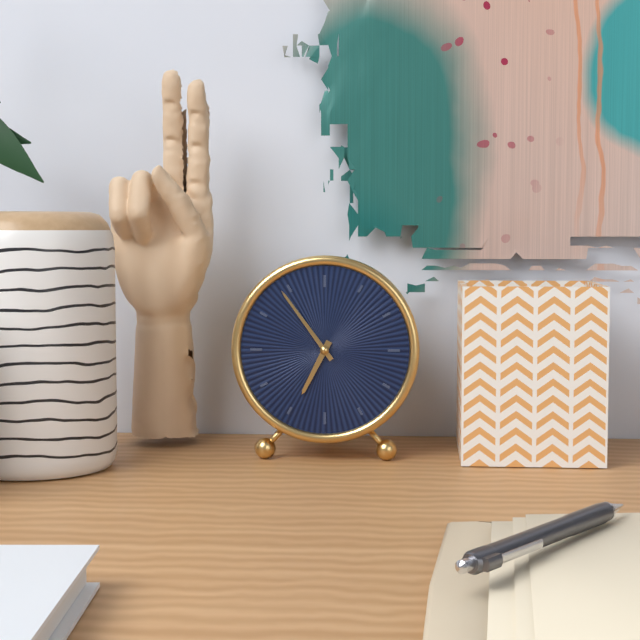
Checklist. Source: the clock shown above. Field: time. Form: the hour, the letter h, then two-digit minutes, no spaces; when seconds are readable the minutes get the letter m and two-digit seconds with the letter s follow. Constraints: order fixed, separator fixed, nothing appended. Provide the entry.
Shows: 6h54
